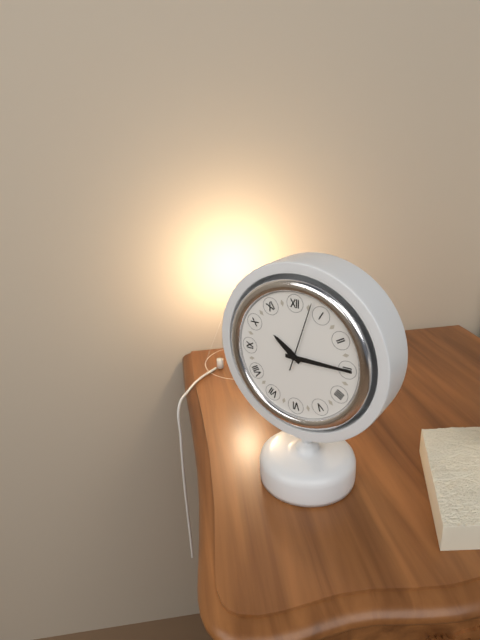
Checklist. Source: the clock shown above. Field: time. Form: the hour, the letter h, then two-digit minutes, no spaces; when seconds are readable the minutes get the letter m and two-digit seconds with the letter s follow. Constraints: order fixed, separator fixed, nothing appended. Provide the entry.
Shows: 10h15m03s
